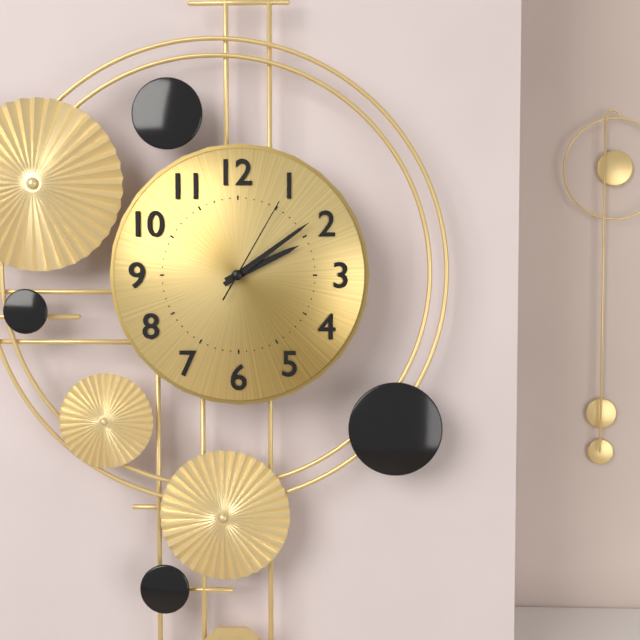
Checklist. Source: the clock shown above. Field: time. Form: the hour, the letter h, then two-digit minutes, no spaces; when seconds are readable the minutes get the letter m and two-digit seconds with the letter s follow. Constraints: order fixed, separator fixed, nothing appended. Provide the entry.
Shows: 2h09m05s
